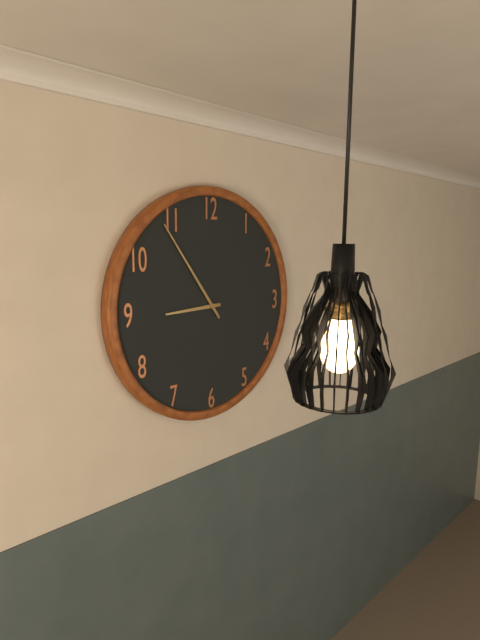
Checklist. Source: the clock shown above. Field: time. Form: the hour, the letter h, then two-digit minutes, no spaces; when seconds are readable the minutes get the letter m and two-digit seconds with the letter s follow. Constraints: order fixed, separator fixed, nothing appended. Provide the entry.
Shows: 8h54
